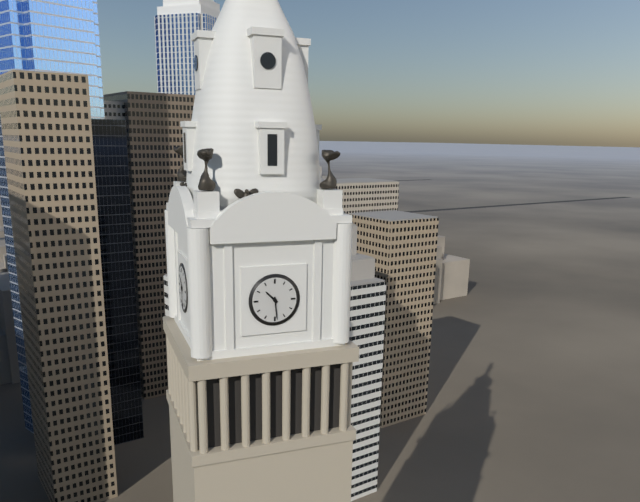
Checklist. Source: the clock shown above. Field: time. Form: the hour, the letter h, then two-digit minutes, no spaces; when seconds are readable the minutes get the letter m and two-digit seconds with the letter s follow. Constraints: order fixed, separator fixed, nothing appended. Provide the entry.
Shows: 10h29
